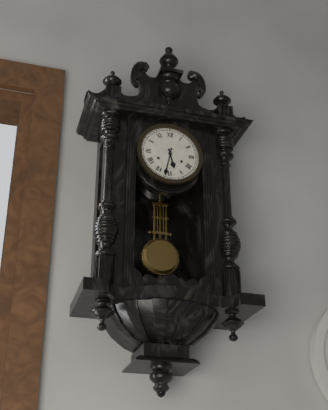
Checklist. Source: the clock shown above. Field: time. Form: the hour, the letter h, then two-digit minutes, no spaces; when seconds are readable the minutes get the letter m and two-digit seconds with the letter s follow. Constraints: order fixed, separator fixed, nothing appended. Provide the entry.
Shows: 5h32
